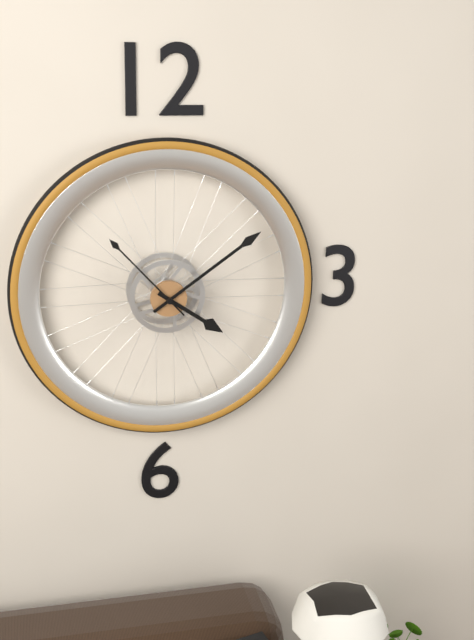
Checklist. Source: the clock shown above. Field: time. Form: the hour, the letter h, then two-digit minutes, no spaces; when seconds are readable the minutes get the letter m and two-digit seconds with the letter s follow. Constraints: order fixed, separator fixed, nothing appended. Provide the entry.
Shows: 4h09m53s
